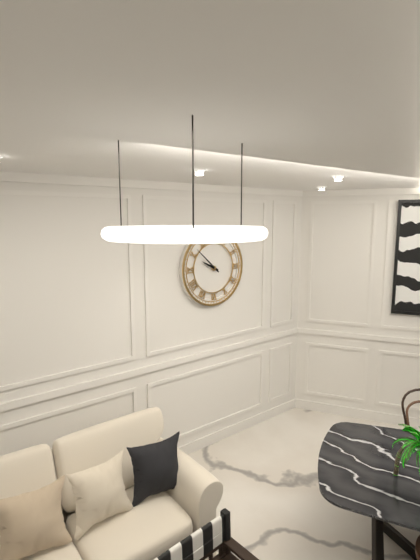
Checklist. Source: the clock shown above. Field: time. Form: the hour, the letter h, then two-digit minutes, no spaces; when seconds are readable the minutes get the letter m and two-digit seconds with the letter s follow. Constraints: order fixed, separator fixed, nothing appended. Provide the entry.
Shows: 9h52
